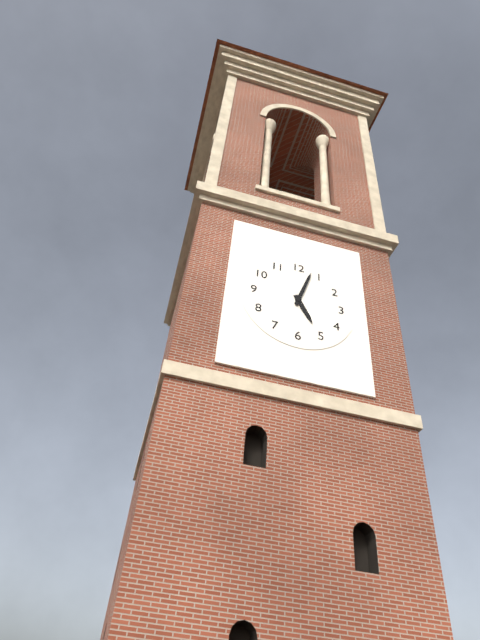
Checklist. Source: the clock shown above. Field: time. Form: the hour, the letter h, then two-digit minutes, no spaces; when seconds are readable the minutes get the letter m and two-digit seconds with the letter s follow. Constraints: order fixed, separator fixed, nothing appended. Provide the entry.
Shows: 5h03
